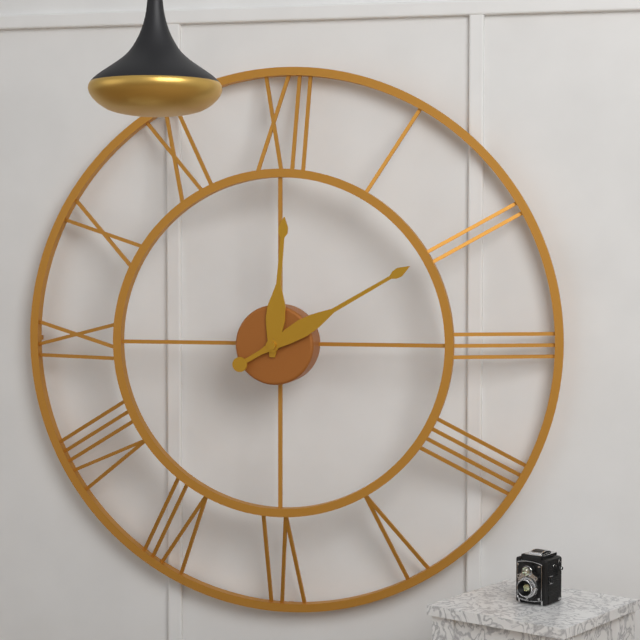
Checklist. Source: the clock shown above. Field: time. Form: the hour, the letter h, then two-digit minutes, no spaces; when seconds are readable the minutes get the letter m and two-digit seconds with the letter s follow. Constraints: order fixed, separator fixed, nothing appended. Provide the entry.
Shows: 12h10
